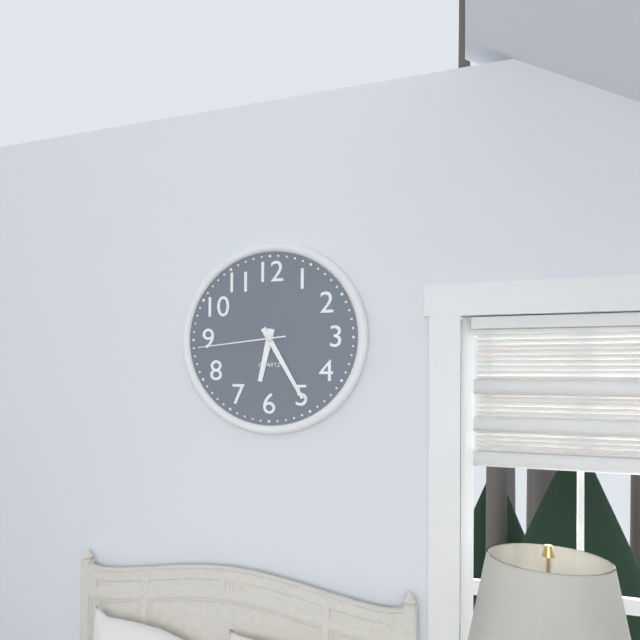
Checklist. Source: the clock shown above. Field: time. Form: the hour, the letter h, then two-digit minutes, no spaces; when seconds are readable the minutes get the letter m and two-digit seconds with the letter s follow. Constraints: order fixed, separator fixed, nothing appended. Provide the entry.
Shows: 6h25m44s
